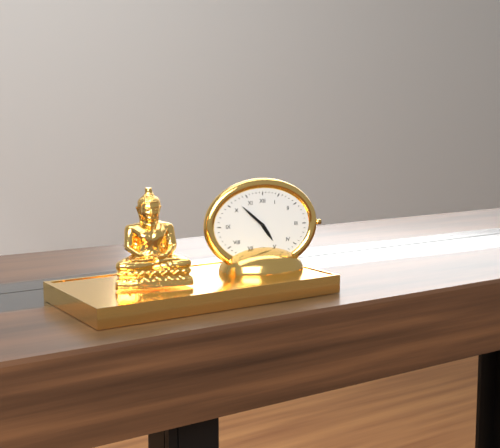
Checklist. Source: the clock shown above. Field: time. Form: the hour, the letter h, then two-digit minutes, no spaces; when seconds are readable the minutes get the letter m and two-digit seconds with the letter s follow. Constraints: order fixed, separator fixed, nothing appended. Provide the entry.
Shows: 4h52
